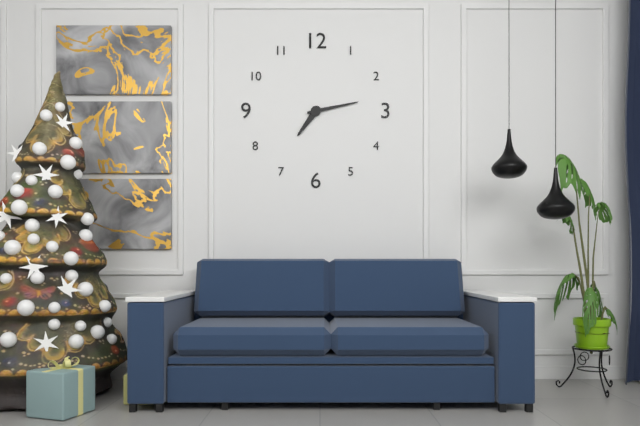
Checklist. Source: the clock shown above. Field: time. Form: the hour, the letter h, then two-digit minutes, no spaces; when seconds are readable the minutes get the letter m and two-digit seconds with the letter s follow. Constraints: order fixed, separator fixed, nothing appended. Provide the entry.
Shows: 7h13
